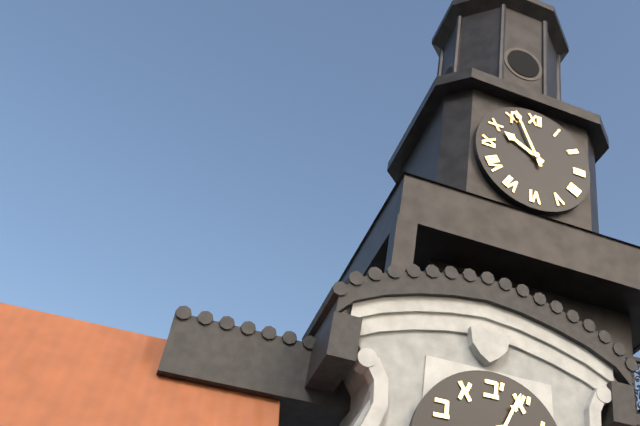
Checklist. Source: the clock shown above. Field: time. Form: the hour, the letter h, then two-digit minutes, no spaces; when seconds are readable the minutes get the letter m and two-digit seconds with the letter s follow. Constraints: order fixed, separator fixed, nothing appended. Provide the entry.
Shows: 9h56
